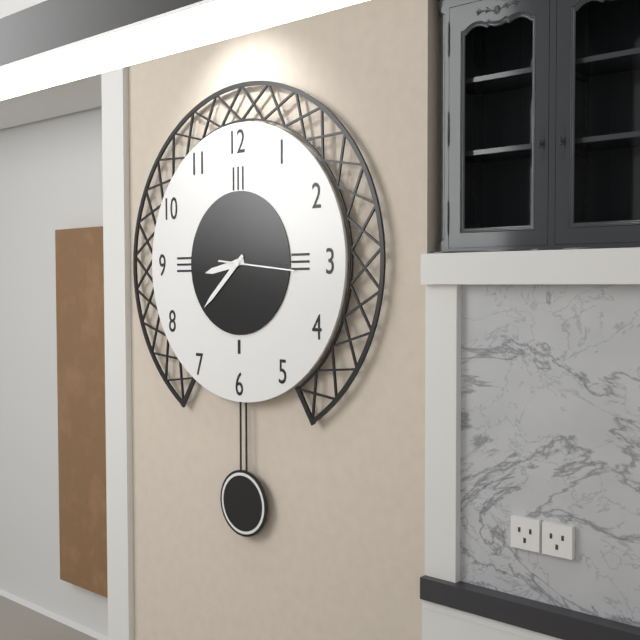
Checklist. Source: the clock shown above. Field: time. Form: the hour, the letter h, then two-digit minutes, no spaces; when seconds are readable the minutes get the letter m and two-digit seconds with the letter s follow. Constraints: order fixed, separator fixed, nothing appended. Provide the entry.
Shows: 8h38m16s
